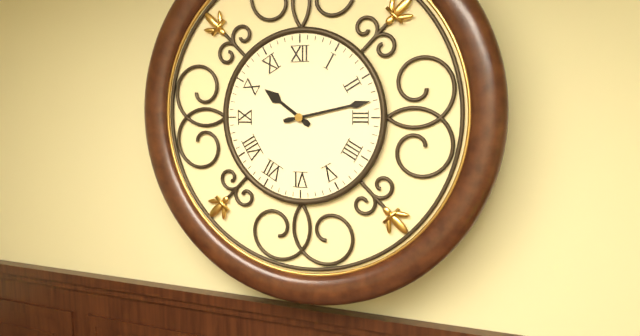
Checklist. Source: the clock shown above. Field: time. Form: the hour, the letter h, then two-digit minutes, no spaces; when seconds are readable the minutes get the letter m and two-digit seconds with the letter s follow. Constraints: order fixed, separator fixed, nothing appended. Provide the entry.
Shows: 10h13
